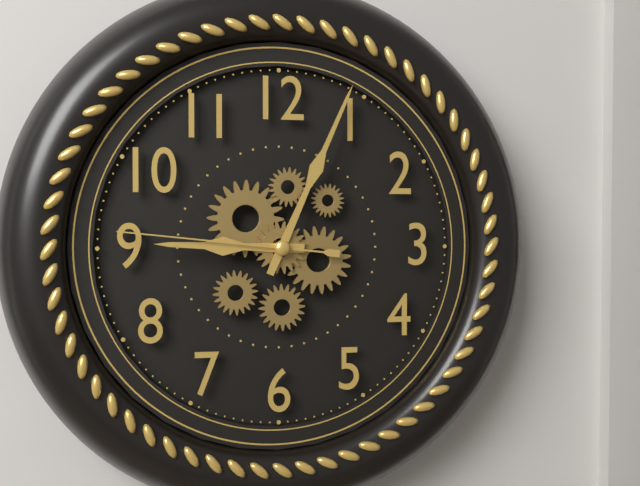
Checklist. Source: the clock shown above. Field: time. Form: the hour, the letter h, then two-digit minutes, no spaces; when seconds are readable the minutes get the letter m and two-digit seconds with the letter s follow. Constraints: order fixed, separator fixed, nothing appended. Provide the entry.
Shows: 9h04m46s
